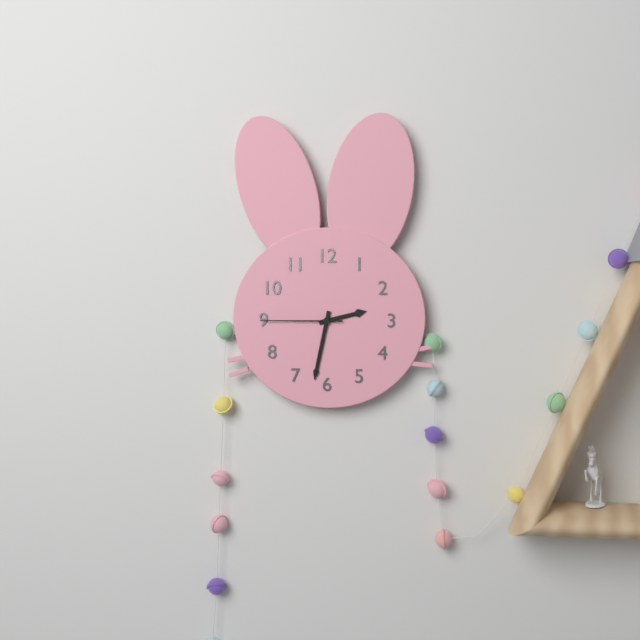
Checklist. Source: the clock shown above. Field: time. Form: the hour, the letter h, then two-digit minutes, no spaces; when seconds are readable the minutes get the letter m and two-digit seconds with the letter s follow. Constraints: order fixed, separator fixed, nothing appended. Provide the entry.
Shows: 2h32m45s
